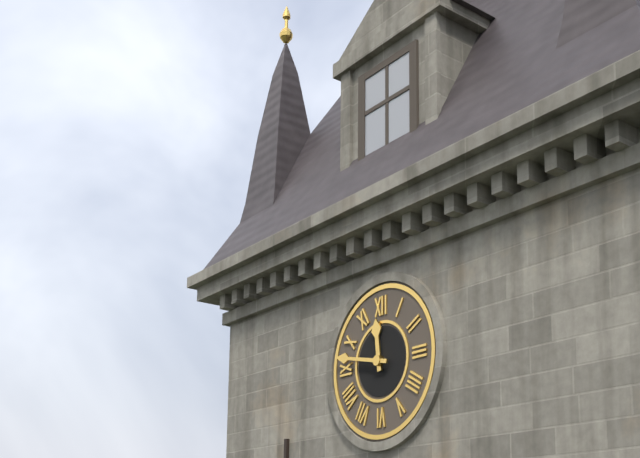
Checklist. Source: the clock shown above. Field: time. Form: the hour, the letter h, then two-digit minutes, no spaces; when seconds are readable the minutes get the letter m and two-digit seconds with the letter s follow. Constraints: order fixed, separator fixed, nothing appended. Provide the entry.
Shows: 11h47
